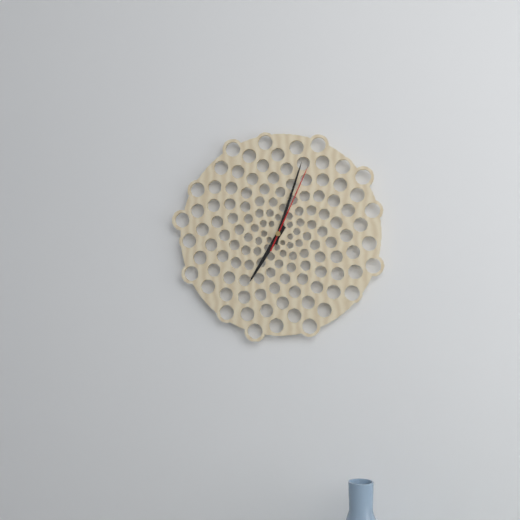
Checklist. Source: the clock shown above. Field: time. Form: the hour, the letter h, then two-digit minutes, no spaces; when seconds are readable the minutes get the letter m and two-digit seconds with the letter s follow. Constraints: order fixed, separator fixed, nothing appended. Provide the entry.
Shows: 7h03m04s
